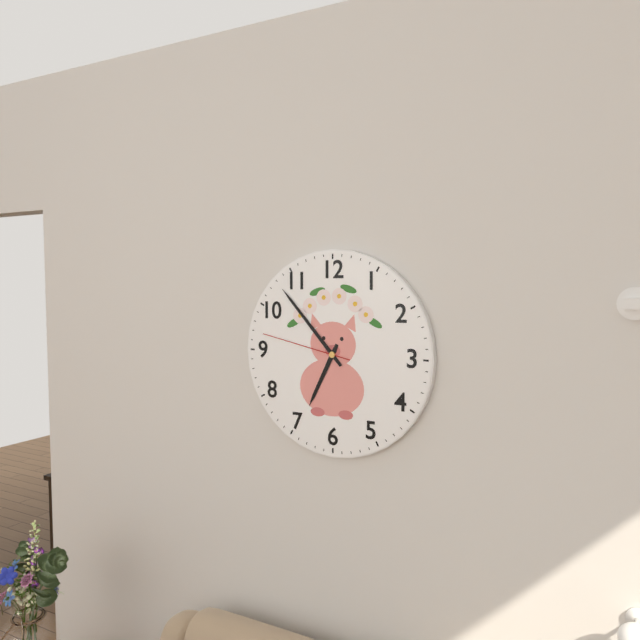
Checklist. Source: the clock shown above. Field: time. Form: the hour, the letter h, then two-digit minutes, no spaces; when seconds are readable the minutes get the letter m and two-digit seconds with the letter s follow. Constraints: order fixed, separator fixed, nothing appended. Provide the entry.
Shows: 6h53m47s
